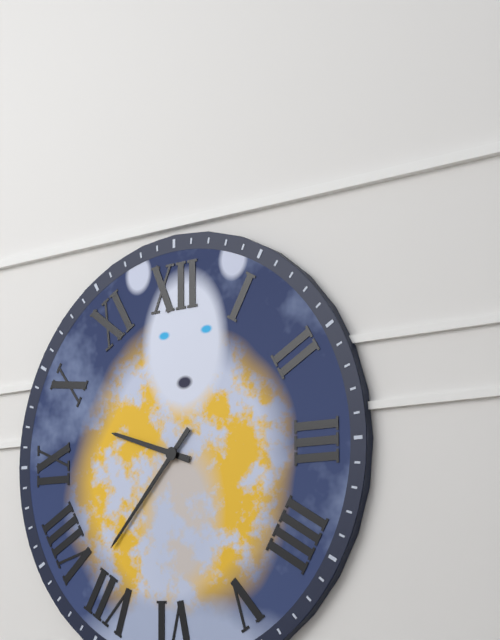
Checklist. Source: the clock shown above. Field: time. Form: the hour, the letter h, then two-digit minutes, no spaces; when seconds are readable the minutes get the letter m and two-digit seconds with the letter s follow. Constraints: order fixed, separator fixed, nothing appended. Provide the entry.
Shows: 9h37
